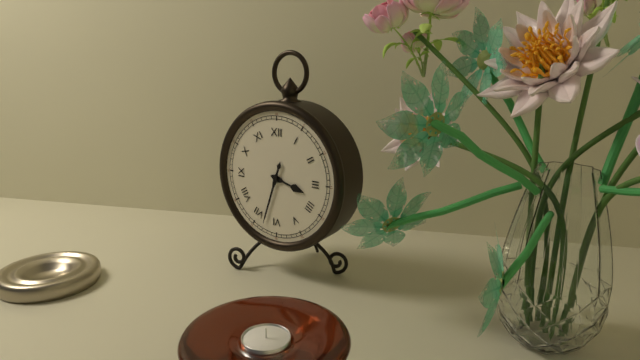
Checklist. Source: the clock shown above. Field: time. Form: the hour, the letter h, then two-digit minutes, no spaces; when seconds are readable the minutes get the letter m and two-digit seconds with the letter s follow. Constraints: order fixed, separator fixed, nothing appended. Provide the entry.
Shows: 3h33
